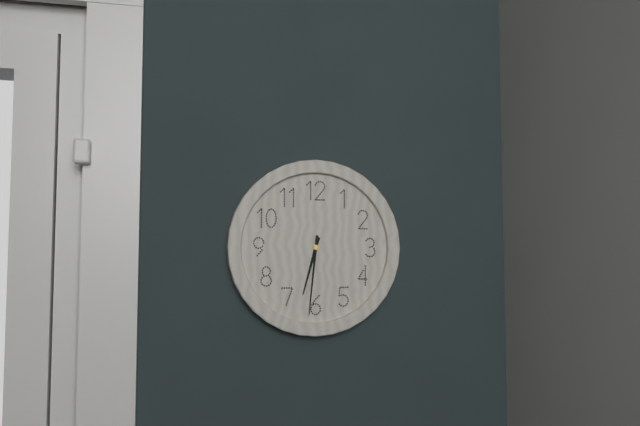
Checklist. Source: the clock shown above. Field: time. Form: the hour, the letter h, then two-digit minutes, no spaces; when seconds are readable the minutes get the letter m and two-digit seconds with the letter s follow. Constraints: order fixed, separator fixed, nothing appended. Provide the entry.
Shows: 6h31
